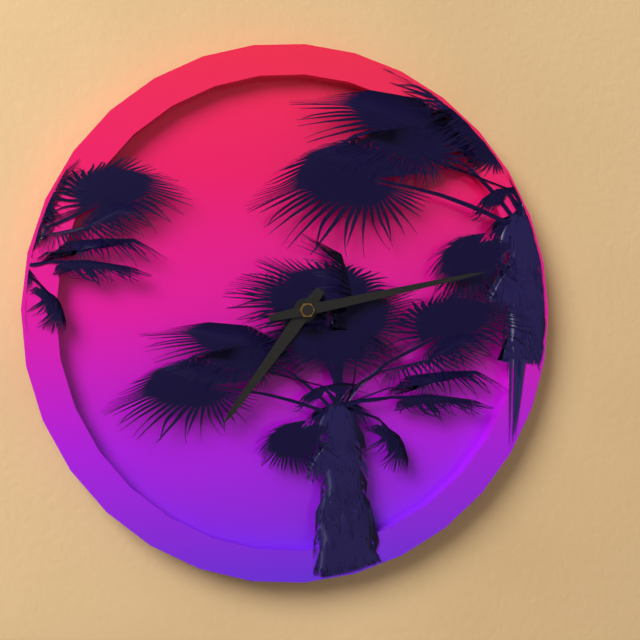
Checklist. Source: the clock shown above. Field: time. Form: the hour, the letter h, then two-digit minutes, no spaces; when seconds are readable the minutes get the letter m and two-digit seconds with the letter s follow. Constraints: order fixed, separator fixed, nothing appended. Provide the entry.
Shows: 7h13
